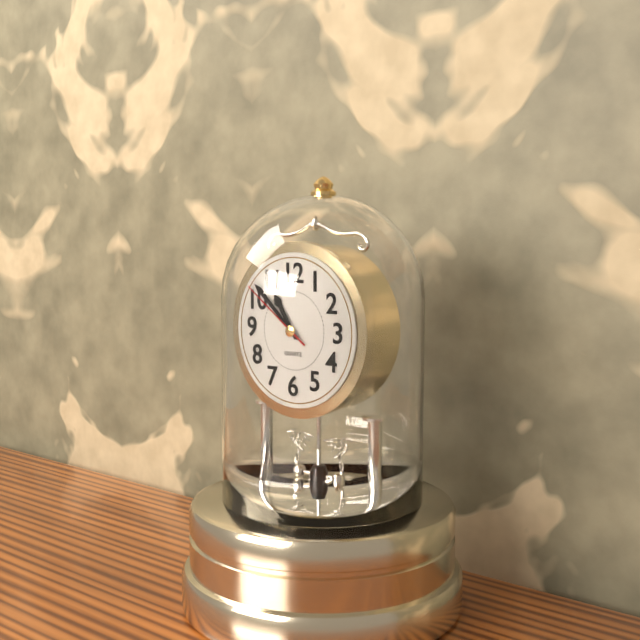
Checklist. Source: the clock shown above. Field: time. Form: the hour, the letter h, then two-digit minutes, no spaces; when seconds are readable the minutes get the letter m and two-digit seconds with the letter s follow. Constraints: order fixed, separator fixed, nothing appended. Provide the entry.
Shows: 10h52m51s
